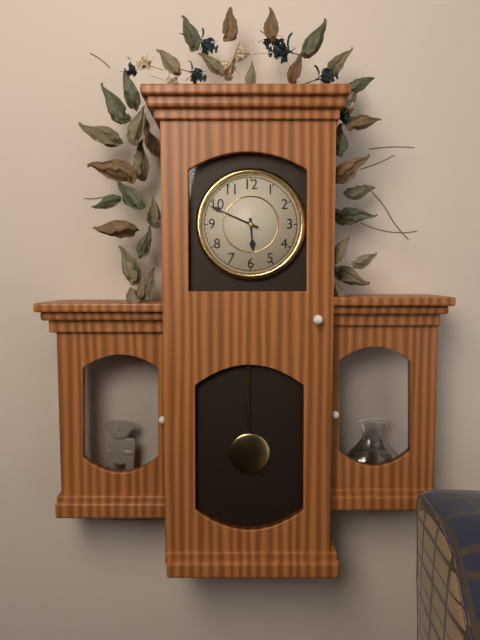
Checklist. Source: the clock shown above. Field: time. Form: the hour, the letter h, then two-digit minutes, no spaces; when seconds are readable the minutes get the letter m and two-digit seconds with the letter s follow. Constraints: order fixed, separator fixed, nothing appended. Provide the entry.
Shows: 5h49
